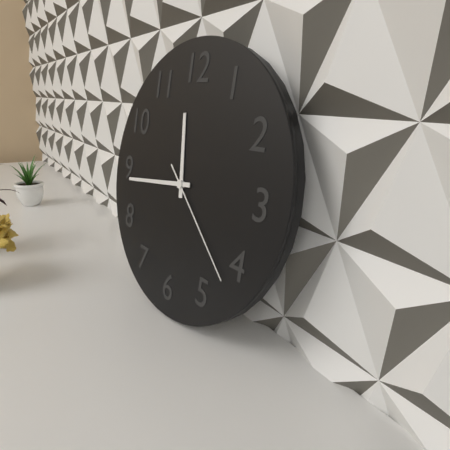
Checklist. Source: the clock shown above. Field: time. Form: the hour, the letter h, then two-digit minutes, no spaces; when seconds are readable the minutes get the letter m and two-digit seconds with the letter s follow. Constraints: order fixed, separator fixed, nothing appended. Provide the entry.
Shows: 11h44m22s
